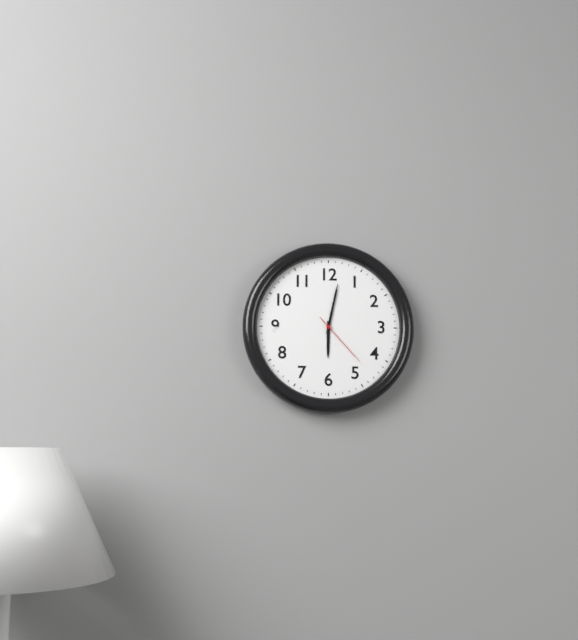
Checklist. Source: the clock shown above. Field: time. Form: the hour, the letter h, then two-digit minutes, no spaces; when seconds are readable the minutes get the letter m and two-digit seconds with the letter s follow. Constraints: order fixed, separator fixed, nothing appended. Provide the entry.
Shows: 6h02m23s
